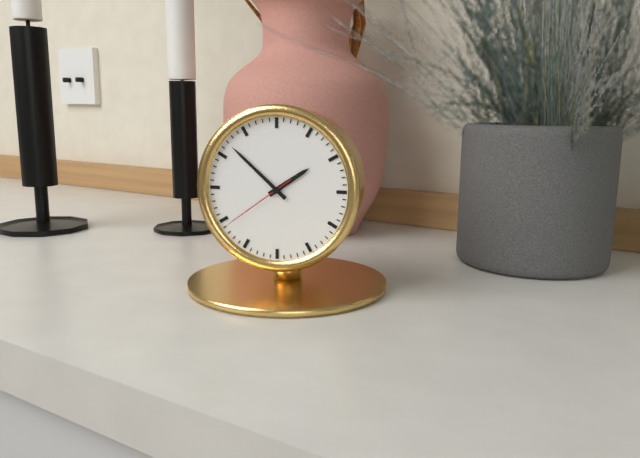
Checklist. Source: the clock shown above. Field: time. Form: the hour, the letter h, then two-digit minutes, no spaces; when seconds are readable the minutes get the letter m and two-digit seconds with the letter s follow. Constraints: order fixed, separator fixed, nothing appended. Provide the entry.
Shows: 1h52m39s
